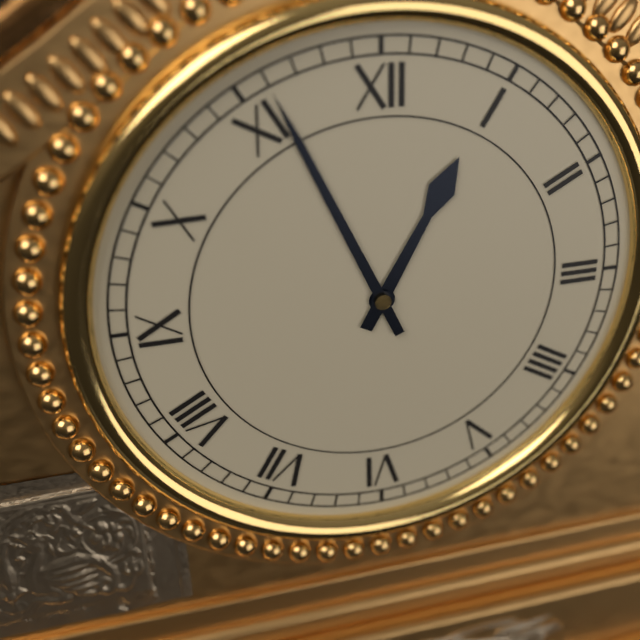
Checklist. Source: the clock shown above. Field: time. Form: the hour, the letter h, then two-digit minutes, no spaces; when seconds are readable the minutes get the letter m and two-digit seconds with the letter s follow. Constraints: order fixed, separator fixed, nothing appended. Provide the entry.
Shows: 12h56
